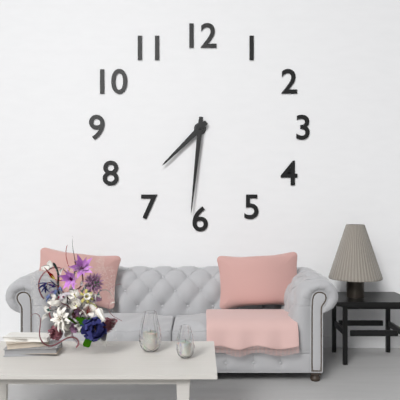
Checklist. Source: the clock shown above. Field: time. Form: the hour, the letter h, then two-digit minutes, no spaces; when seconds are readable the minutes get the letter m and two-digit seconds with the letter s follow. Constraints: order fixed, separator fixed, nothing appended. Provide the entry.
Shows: 7h31
